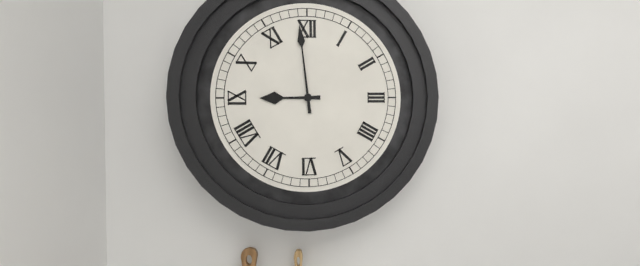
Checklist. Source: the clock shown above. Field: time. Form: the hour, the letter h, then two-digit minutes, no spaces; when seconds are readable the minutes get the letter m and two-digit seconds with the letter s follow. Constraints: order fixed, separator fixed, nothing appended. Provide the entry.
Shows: 8h59
